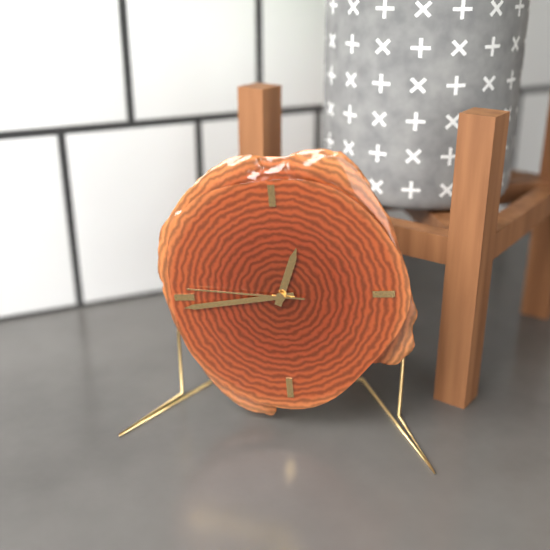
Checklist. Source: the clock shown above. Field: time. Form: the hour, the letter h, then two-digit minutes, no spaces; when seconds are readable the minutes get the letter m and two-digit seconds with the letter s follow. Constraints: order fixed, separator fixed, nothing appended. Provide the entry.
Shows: 12h44m46s
